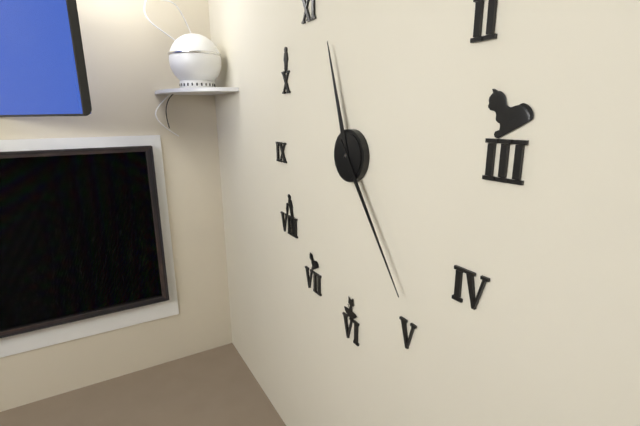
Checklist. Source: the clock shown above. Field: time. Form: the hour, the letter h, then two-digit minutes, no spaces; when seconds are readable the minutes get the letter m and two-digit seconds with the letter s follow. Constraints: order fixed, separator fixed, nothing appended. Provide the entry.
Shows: 11h24
